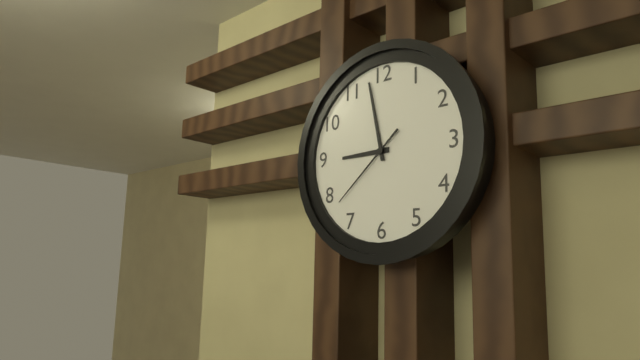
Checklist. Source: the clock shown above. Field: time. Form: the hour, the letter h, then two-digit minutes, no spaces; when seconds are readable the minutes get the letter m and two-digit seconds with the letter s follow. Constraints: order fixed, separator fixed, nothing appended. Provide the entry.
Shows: 8h58m38s
